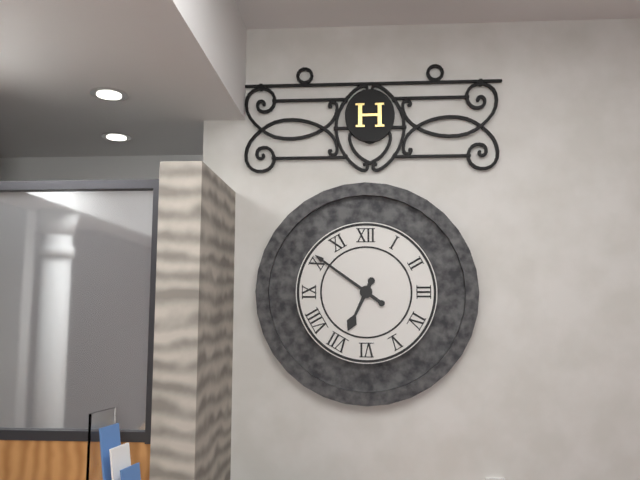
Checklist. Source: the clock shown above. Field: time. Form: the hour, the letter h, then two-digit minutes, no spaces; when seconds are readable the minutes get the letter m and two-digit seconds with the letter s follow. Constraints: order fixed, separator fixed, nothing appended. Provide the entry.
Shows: 6h51
